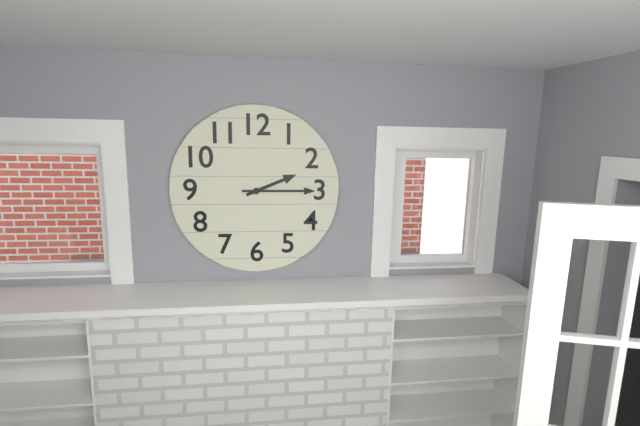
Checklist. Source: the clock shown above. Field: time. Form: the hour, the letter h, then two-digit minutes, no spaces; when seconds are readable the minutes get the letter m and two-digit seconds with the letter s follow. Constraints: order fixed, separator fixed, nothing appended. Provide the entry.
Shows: 2h15
